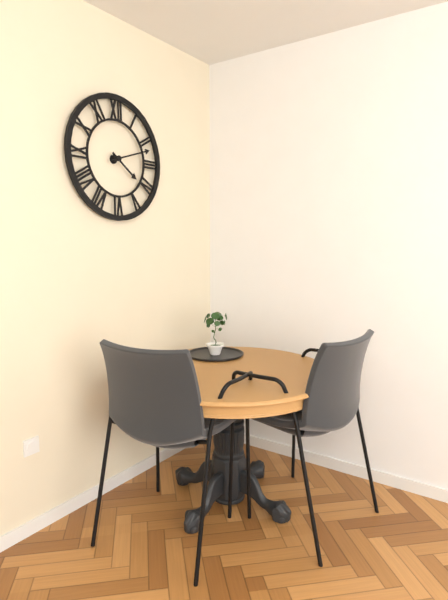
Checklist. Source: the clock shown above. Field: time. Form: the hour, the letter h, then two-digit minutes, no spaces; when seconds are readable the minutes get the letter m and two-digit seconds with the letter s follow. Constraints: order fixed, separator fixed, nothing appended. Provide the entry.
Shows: 4h12
